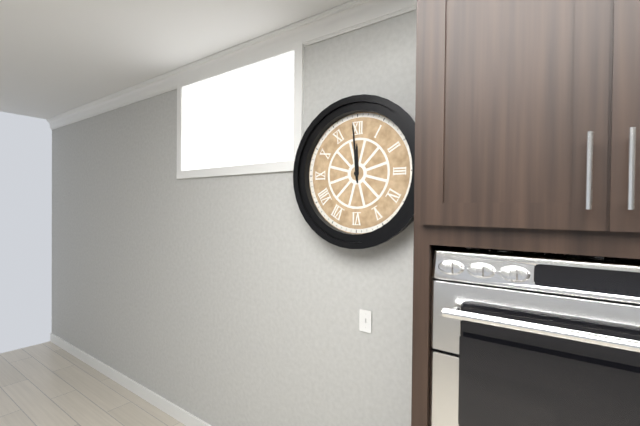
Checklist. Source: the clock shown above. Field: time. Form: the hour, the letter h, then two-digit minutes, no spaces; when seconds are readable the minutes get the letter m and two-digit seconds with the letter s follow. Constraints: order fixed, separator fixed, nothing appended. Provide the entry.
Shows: 11h59
